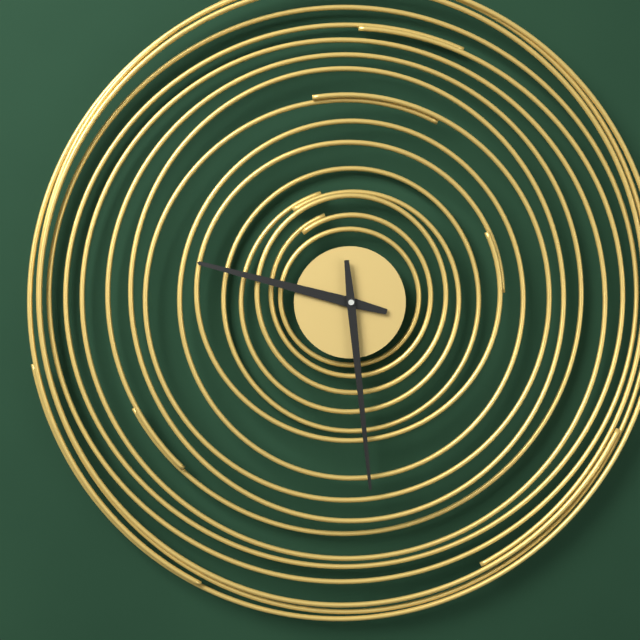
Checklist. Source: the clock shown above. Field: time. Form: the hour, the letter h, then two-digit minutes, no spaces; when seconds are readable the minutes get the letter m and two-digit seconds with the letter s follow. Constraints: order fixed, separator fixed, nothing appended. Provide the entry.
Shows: 9h29
